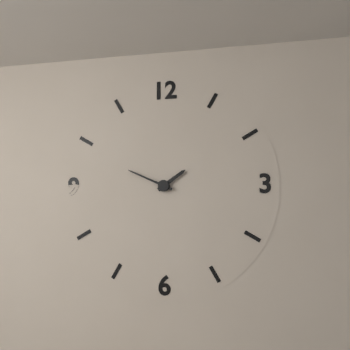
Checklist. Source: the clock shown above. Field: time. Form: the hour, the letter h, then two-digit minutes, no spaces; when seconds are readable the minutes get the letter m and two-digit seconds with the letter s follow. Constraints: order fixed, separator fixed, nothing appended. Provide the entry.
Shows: 1h49
